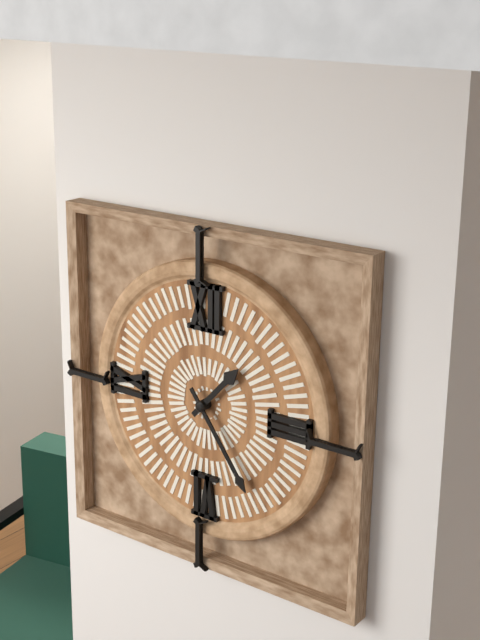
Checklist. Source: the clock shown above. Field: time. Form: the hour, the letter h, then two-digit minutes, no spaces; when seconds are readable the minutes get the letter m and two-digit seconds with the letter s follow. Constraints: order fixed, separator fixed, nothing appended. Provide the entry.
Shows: 1h24
